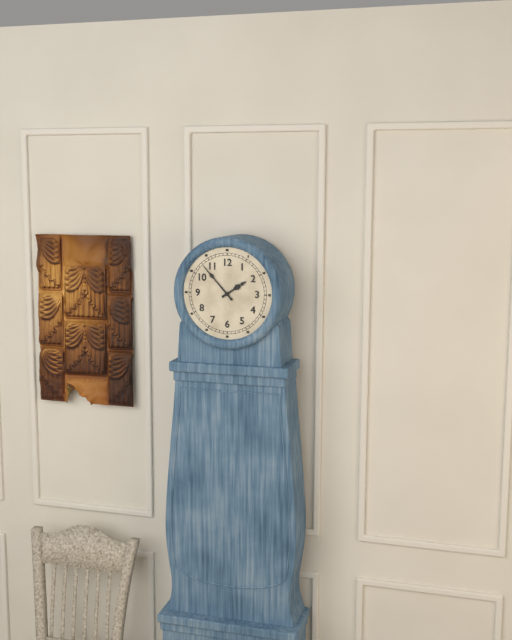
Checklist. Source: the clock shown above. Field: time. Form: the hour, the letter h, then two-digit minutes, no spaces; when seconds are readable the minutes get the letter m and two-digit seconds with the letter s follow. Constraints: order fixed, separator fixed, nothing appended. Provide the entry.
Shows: 1h53
